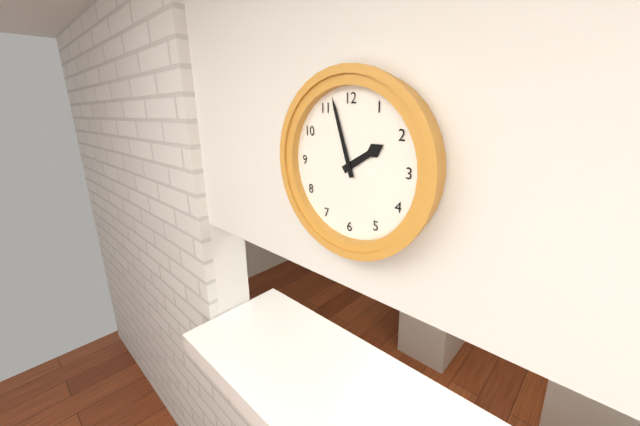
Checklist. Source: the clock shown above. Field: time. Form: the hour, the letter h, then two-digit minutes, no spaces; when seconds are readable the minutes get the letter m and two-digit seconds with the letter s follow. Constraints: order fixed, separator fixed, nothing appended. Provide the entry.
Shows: 1h57
